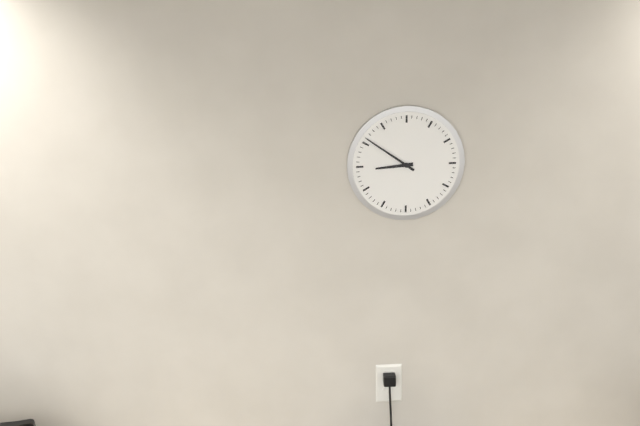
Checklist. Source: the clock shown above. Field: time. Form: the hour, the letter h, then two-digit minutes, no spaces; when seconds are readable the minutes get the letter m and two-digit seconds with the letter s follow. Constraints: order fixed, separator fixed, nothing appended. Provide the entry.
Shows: 8h51
